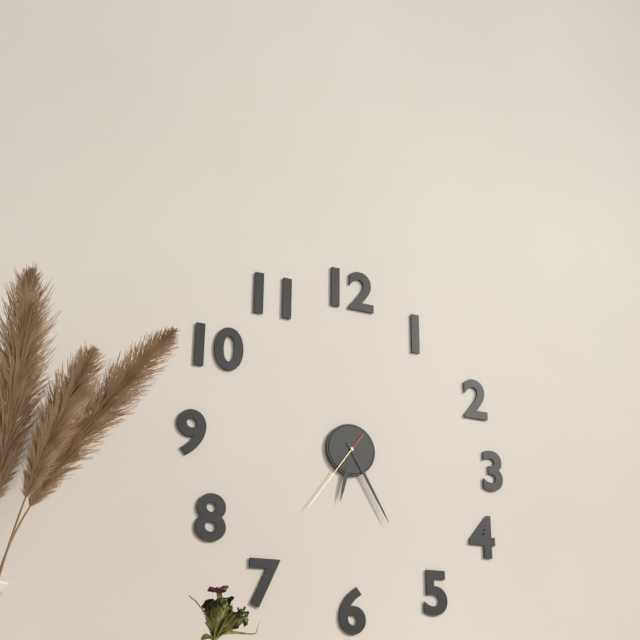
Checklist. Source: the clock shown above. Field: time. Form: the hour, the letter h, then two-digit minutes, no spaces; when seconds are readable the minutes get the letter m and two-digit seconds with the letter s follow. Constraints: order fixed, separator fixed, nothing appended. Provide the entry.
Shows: 6h25m36s
